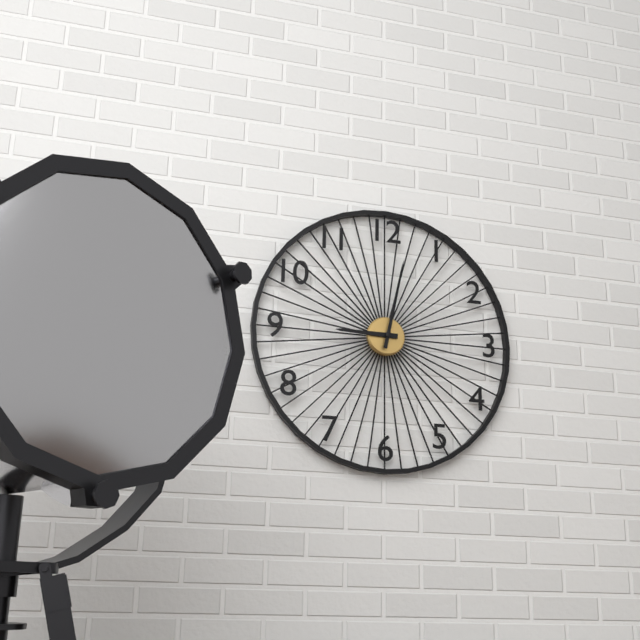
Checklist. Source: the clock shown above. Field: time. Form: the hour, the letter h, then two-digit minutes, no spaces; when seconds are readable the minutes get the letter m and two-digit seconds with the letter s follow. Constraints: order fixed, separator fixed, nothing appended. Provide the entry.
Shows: 9h02
